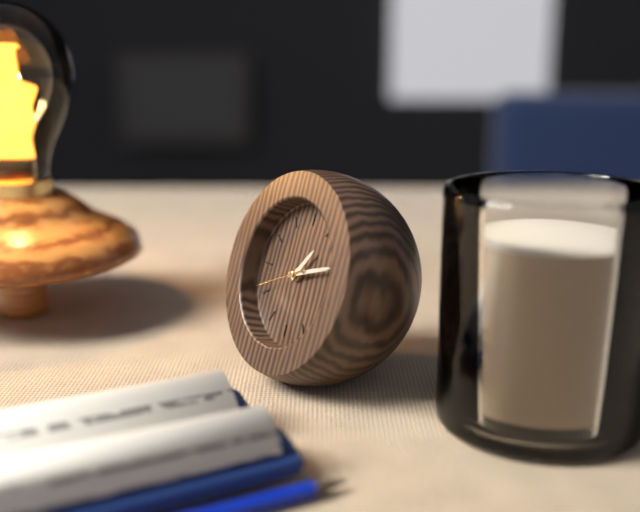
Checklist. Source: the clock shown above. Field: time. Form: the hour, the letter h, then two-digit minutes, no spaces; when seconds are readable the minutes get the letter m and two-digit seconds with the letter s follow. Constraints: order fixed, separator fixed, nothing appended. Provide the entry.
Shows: 1h12m41s
